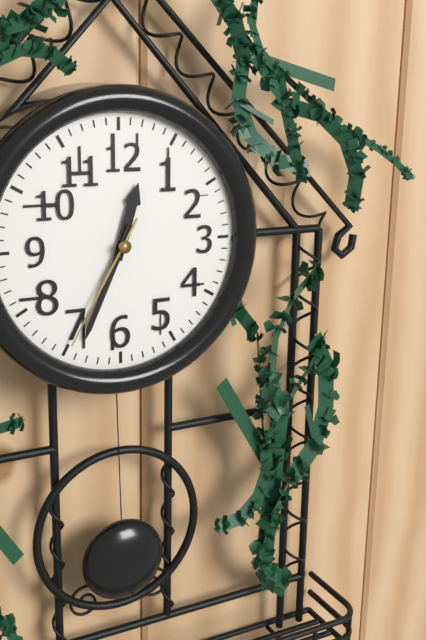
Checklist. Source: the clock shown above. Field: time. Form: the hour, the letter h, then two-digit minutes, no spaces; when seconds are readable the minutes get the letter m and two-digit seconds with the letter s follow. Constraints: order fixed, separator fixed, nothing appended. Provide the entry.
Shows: 12h34m35s
